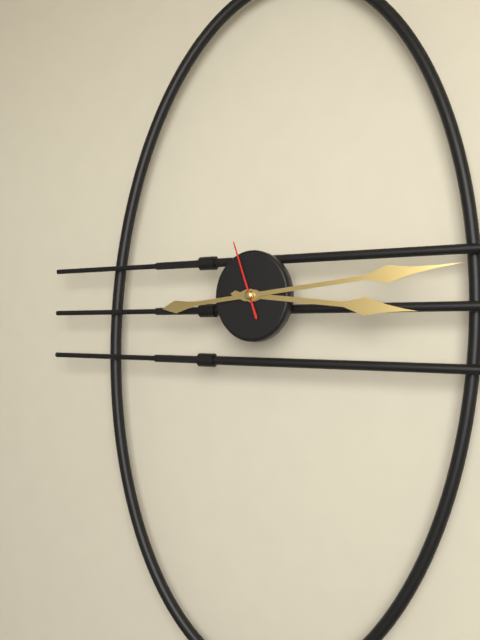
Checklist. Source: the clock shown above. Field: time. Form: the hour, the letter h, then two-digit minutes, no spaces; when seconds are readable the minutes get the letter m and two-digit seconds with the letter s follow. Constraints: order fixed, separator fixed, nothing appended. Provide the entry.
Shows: 3h14m57s
